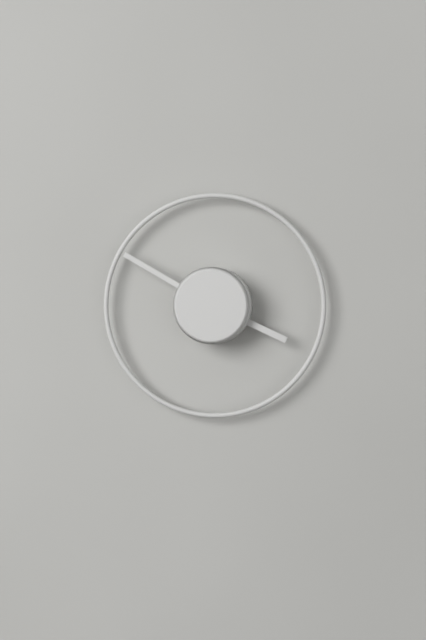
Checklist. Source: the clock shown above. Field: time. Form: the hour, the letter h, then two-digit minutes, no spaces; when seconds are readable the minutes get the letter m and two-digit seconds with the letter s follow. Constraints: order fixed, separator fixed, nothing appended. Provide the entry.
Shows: 3h50
